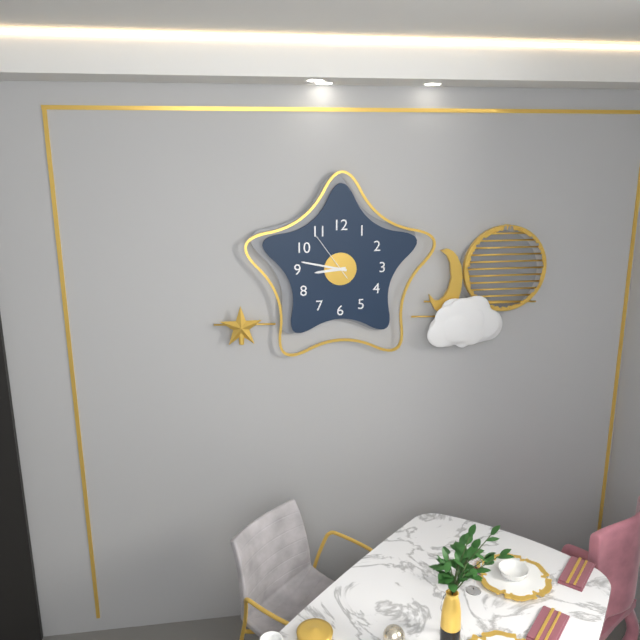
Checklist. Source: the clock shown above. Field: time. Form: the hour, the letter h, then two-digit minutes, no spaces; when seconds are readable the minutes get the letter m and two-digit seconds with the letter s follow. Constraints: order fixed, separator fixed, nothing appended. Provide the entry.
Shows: 8h47m54s
